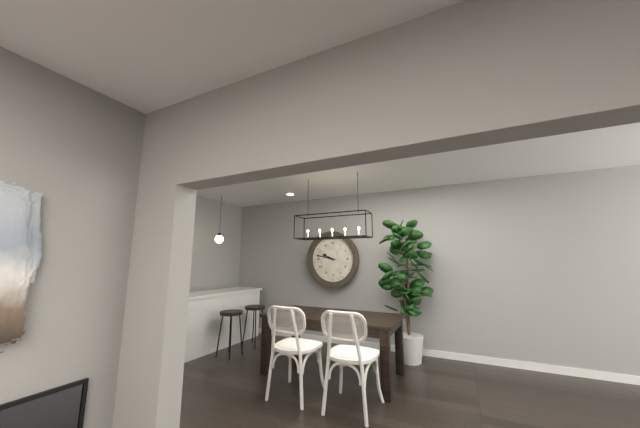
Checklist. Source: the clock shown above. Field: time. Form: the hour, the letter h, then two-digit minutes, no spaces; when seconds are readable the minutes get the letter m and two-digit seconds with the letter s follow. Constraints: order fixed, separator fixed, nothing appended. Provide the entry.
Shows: 9h47
